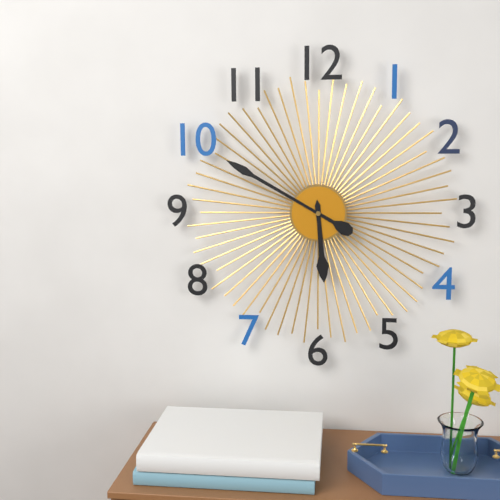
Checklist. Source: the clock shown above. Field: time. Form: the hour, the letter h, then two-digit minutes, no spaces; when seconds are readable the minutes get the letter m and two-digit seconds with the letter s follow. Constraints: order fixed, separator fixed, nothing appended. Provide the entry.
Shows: 5h50
